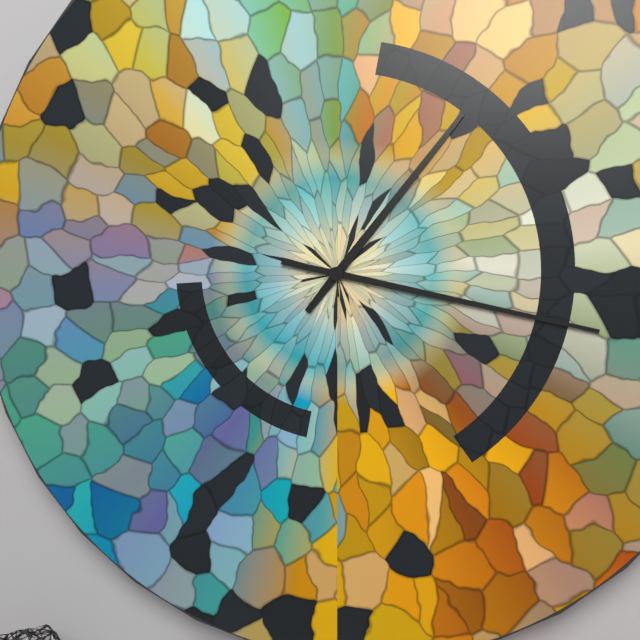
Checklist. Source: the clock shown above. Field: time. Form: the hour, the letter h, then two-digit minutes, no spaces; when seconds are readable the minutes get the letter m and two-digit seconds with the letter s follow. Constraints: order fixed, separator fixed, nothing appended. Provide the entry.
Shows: 1h17
